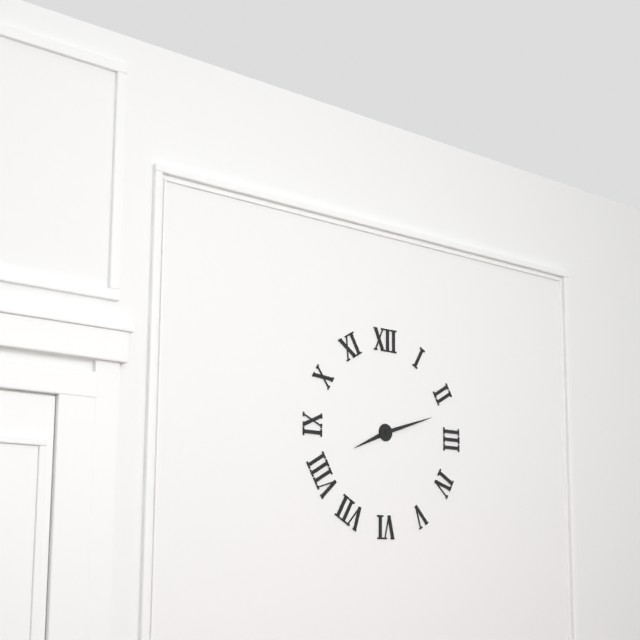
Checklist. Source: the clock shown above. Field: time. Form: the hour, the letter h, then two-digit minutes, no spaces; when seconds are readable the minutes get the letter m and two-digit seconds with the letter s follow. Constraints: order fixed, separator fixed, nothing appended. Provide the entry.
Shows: 8h12
